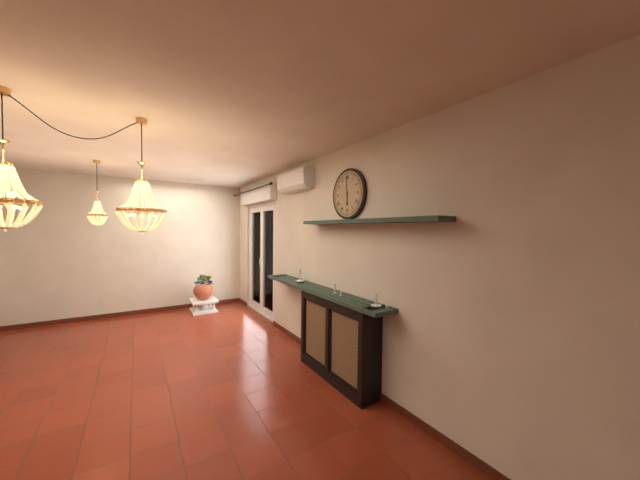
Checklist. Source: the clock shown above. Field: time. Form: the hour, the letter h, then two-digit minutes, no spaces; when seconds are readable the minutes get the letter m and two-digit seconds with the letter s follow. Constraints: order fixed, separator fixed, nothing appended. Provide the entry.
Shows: 5h59
